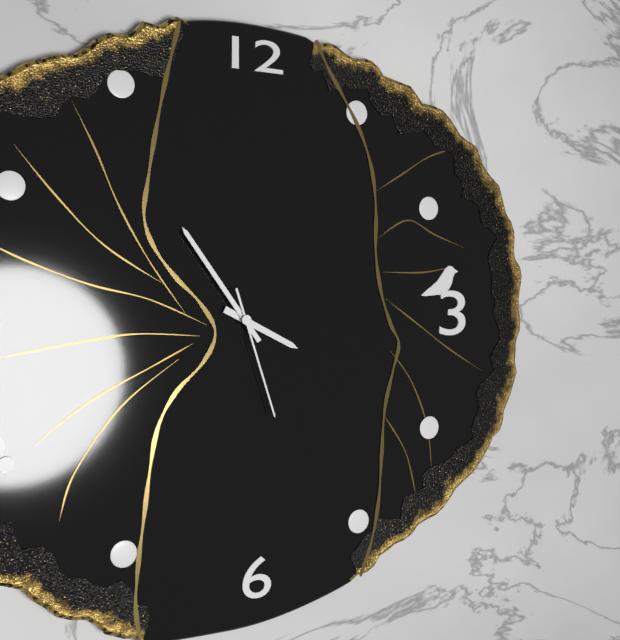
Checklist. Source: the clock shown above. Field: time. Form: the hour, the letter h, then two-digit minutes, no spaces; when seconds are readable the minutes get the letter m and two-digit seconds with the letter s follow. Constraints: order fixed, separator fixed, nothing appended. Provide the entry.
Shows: 3h54m27s
